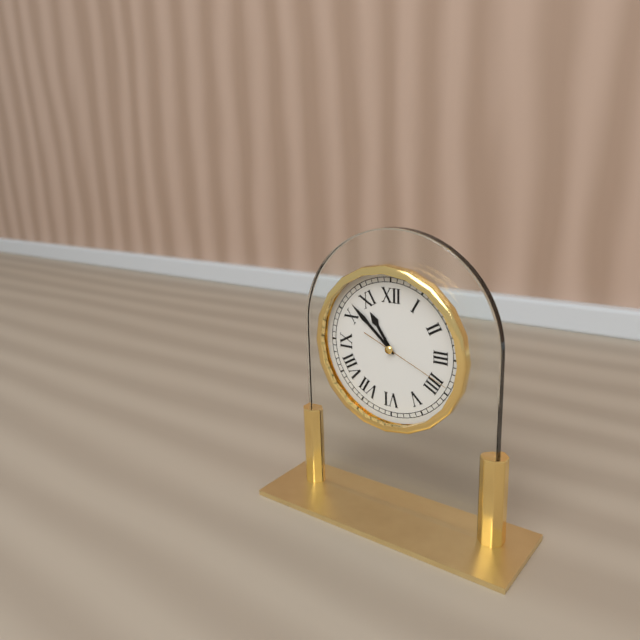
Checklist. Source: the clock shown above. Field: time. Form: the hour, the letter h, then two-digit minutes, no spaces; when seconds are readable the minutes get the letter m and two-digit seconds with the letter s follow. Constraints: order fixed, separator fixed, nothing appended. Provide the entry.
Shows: 10h52m19s
